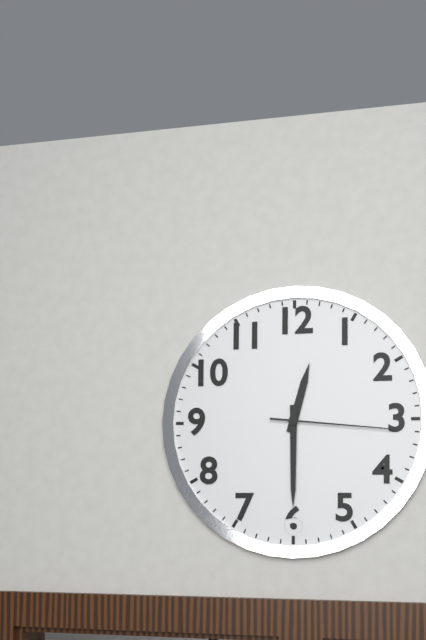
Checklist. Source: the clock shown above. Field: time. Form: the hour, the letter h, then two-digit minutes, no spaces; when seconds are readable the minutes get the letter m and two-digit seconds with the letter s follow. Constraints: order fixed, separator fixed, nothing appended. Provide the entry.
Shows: 12h30m16s
